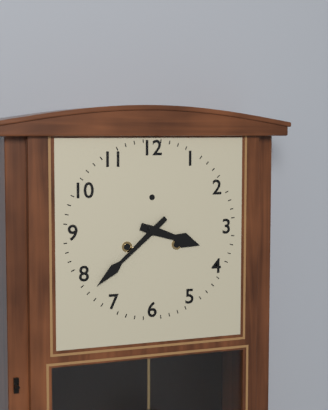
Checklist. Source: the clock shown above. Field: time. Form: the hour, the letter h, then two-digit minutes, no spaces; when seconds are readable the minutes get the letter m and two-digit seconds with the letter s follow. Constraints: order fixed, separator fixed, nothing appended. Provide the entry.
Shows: 3h38
